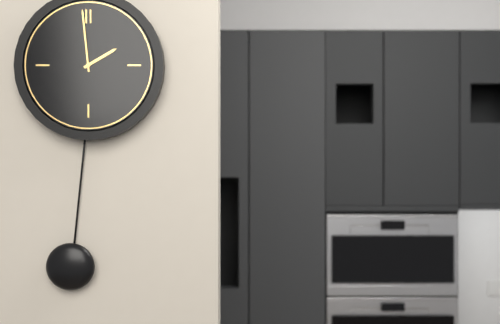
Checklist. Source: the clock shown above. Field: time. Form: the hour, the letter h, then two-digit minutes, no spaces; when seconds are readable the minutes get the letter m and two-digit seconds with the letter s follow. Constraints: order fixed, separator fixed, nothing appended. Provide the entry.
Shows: 1h59
